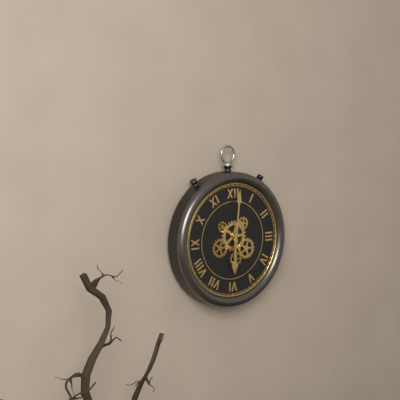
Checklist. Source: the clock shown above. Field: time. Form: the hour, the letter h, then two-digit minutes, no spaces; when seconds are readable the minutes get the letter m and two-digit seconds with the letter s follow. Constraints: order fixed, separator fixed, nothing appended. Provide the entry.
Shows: 6h01
